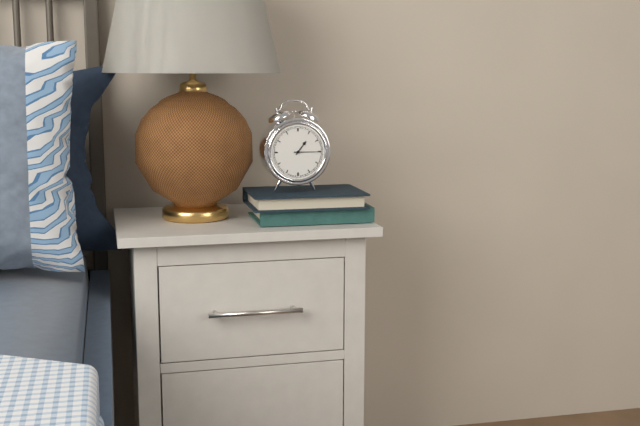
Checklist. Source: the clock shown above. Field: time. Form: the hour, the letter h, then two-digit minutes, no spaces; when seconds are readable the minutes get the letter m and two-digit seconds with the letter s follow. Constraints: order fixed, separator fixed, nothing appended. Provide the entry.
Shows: 1h15
